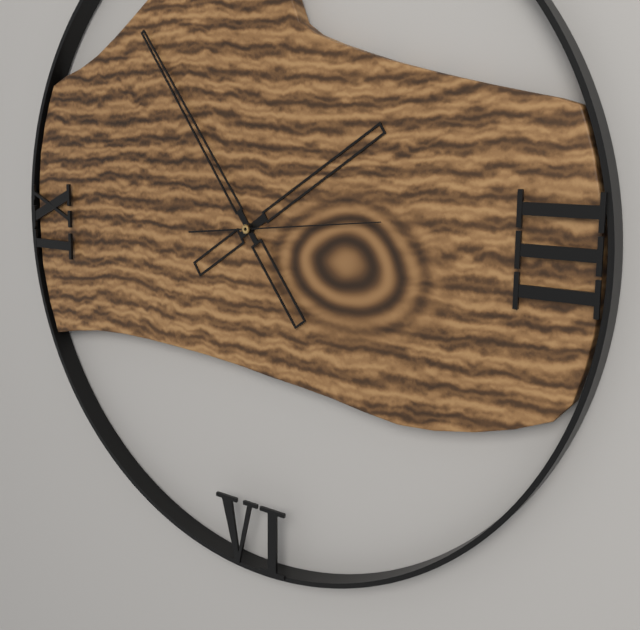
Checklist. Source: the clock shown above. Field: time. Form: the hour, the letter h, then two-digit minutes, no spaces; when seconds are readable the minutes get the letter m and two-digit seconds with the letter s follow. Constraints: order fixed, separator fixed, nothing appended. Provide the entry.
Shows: 1h54m14s
